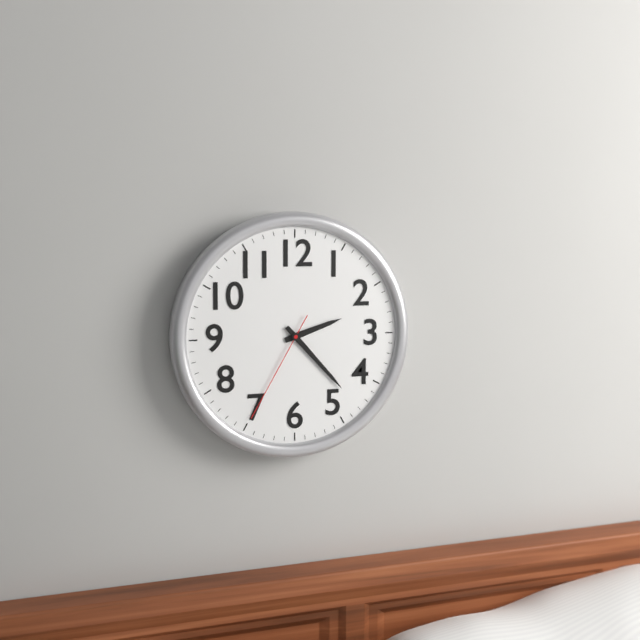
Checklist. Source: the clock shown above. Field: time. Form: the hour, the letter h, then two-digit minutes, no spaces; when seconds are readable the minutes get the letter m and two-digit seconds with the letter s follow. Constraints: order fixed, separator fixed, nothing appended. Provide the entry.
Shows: 2h23m35s
